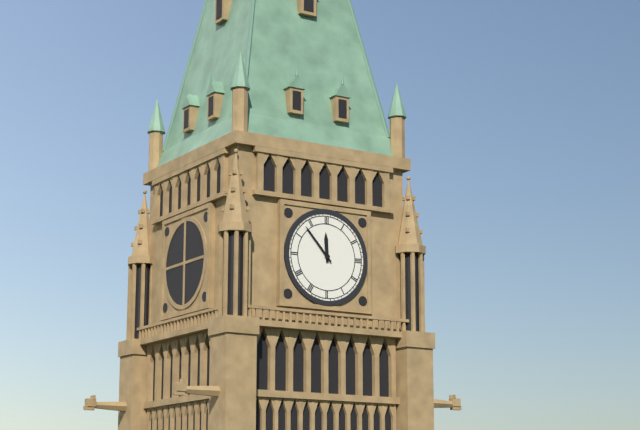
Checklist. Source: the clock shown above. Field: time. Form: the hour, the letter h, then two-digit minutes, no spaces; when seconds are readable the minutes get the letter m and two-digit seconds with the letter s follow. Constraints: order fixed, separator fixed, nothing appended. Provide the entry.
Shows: 11h53
